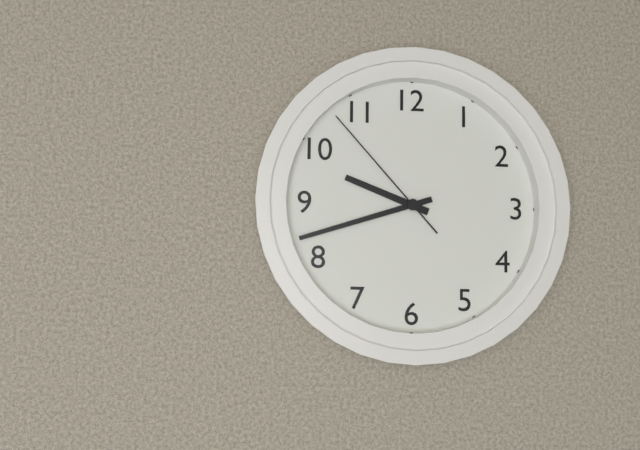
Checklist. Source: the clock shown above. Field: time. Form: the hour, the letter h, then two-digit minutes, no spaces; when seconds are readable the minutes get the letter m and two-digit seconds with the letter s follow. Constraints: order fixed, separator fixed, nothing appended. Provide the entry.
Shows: 9h42m53s
